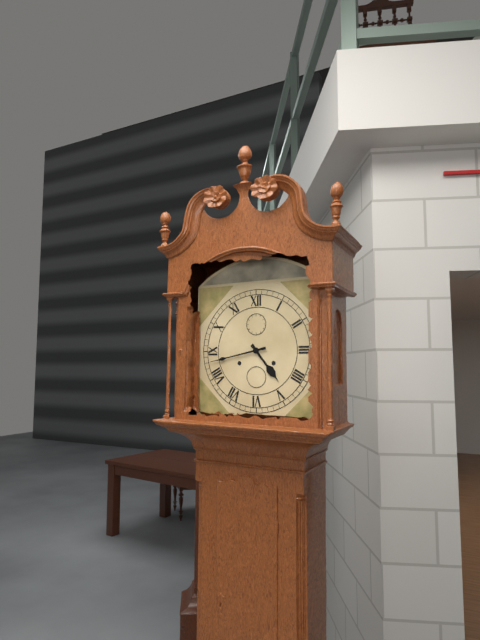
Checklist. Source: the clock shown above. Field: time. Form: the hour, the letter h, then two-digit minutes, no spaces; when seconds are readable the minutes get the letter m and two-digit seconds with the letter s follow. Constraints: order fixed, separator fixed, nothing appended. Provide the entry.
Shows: 4h43
